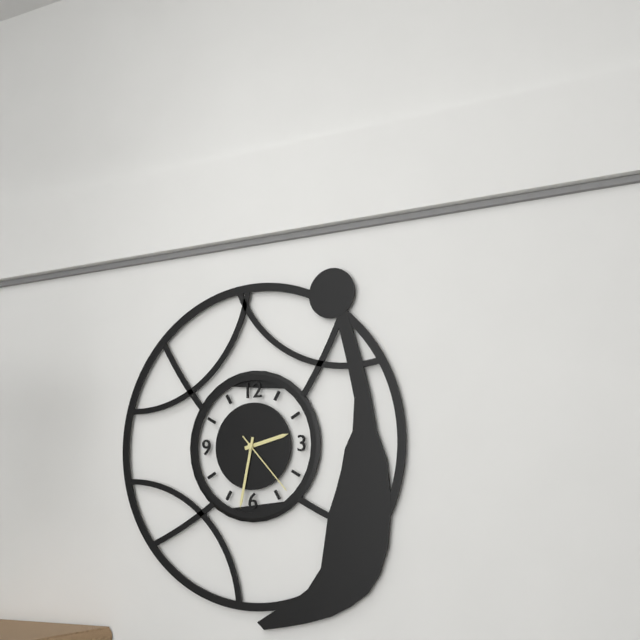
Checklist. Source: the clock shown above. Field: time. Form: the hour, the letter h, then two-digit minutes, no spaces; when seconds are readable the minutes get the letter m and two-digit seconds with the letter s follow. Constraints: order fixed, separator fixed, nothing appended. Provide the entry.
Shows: 2h32m23s
